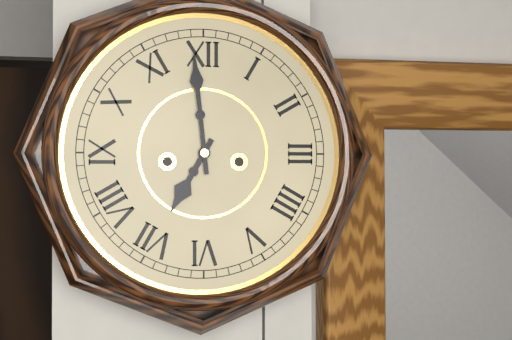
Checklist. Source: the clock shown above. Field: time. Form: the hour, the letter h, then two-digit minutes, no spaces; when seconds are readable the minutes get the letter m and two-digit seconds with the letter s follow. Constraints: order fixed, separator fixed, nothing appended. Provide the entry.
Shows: 6h59
